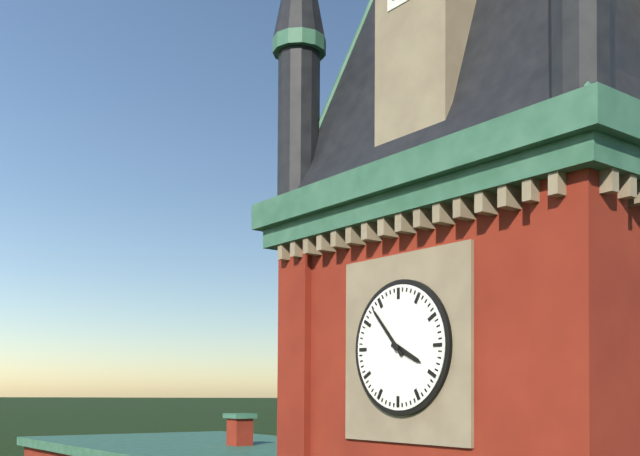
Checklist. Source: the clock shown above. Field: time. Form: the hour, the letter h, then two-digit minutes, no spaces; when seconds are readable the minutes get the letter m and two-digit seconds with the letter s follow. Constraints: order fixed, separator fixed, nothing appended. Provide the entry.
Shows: 3h53
